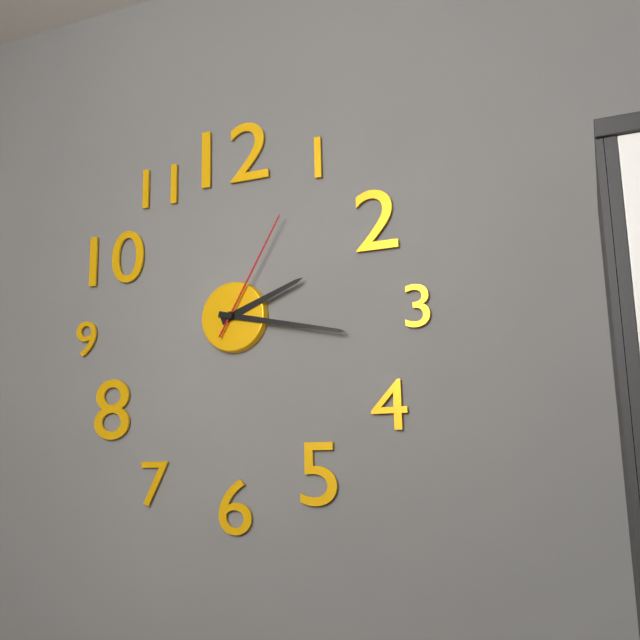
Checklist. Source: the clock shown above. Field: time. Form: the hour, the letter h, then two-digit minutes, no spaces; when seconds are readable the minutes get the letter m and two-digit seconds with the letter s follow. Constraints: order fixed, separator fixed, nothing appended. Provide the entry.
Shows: 2h17m05s
